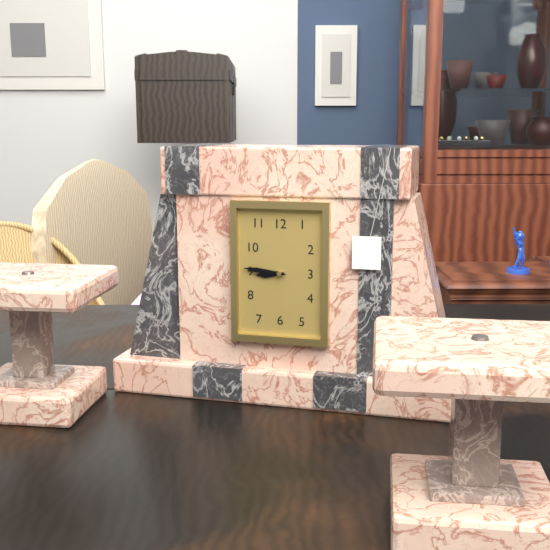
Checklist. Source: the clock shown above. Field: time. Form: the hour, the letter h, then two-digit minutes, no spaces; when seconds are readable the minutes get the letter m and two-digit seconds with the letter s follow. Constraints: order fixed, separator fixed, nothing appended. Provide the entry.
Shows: 8h46
